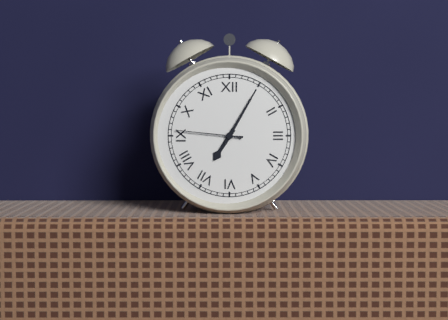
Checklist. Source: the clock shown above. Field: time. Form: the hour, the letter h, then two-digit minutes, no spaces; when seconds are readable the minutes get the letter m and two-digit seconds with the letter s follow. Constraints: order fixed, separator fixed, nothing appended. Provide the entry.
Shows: 7h05m46s
